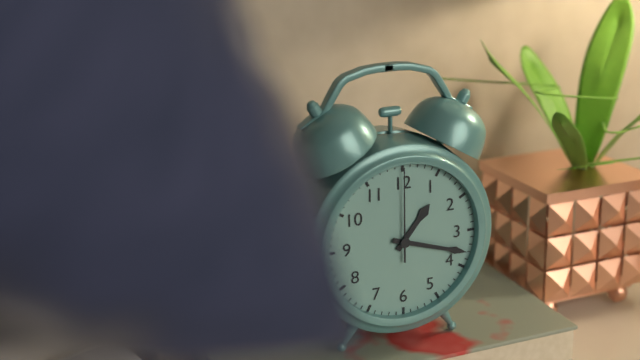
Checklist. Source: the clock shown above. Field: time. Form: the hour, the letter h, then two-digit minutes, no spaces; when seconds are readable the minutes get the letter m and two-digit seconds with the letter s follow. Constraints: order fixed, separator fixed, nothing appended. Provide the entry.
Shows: 1h18m00s
